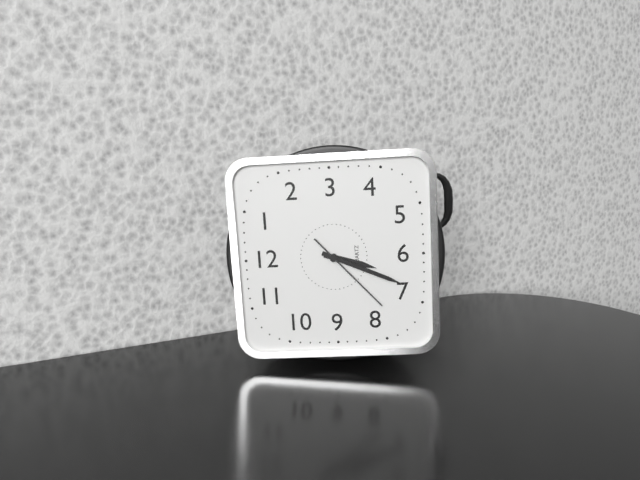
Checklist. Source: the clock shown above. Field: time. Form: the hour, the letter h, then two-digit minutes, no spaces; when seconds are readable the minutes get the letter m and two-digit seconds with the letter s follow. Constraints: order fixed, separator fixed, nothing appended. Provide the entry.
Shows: 6h34m38s
